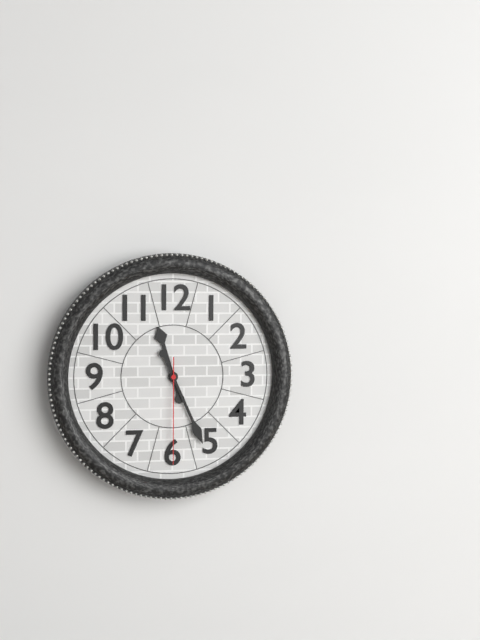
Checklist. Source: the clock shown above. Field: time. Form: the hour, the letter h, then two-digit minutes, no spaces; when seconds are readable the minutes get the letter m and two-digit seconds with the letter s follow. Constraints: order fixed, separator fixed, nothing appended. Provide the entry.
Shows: 11h26m30s
